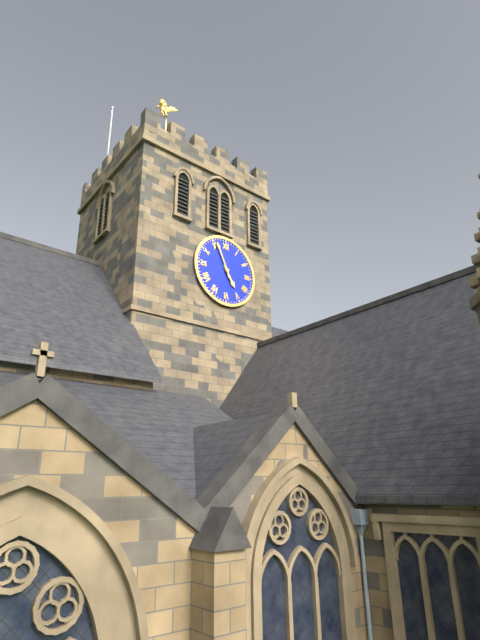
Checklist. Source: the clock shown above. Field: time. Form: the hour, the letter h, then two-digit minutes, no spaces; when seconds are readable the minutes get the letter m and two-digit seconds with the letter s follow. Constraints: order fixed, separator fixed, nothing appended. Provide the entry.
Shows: 4h56
